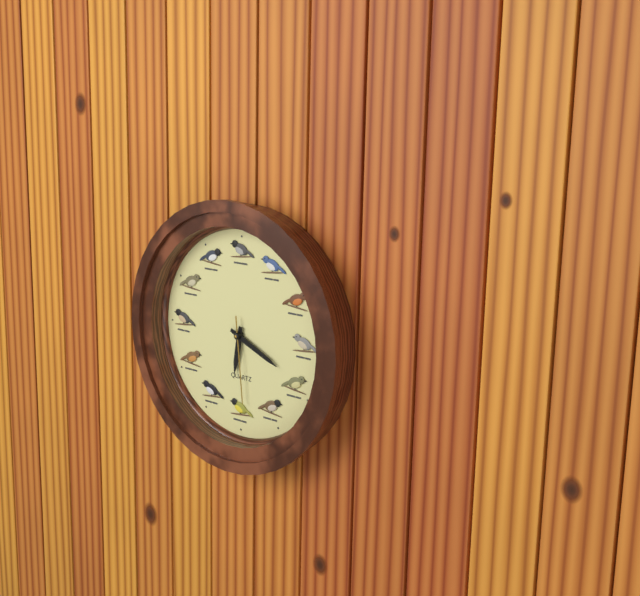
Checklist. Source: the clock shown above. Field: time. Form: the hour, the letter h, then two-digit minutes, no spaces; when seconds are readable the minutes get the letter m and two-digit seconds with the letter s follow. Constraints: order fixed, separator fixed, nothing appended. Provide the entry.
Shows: 6h19m29s
